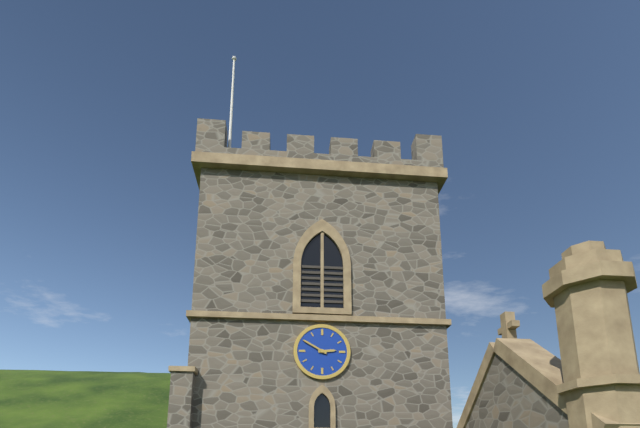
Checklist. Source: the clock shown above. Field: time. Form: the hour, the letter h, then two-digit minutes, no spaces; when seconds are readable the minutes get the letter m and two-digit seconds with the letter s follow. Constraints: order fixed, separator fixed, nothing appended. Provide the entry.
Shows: 2h50
